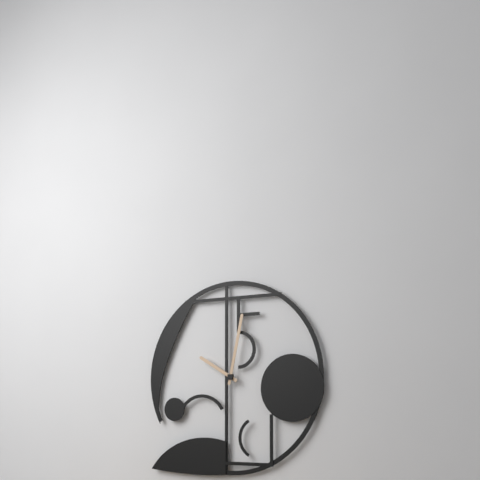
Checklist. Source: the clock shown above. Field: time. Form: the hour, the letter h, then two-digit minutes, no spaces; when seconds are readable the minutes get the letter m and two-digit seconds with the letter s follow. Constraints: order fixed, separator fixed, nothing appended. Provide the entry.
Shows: 10h02
